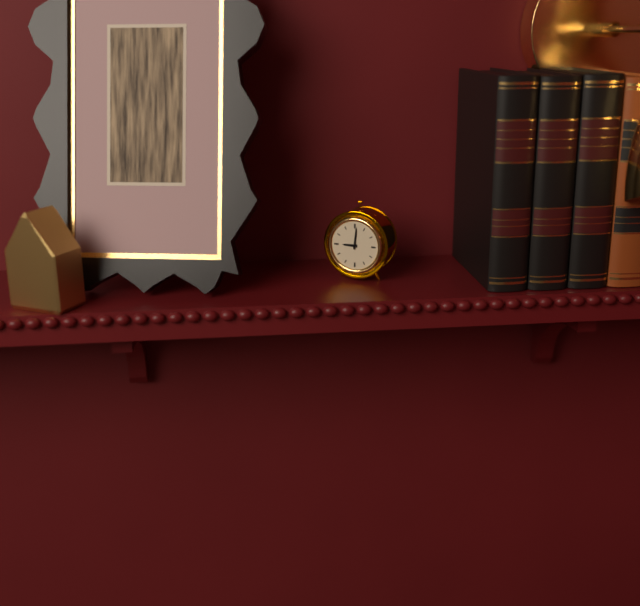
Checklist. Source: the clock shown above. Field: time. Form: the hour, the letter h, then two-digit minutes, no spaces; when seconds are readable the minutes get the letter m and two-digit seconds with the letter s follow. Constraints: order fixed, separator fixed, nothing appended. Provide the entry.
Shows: 9h01
